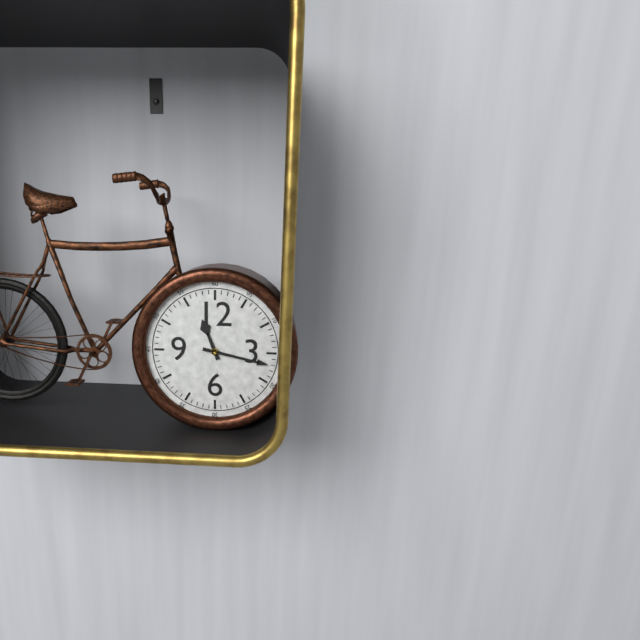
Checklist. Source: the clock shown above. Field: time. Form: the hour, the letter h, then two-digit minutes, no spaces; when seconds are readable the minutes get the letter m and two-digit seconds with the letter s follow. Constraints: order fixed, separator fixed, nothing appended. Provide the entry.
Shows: 11h17
